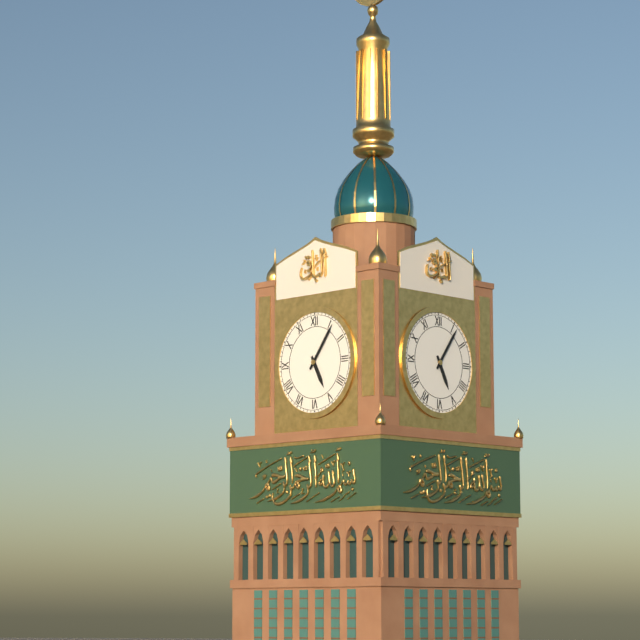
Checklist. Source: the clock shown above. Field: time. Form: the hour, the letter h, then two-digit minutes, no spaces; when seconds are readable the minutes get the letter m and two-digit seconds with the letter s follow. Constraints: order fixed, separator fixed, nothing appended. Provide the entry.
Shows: 5h06
